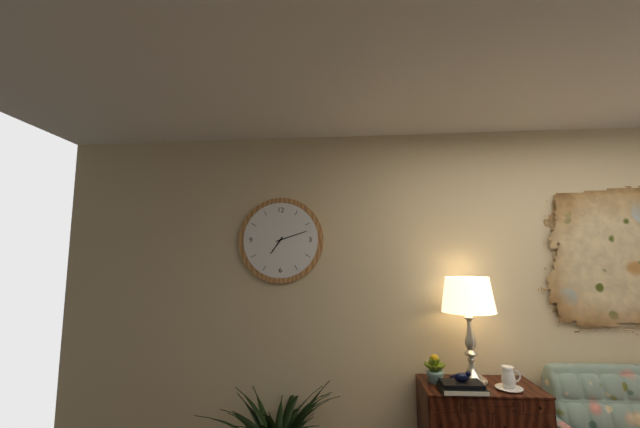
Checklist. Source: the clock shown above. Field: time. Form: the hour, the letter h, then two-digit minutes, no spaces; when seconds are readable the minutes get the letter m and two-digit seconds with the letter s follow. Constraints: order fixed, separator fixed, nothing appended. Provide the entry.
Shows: 7h12
